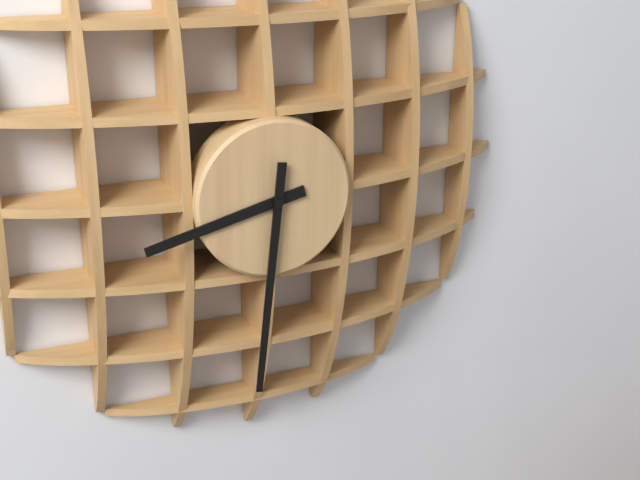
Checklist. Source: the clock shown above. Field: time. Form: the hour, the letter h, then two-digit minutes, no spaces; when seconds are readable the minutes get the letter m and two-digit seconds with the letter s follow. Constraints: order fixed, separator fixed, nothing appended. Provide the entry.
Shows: 8h31
